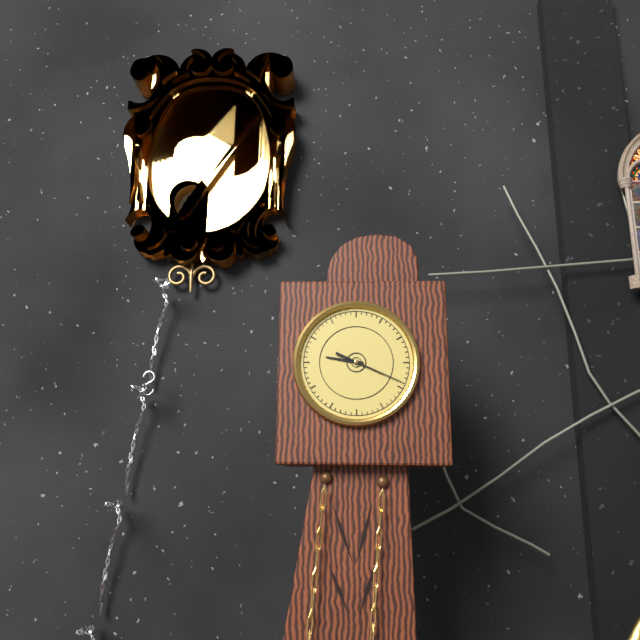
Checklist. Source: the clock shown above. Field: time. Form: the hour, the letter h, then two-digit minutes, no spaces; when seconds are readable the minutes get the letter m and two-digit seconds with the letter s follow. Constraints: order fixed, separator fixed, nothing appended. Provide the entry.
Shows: 9h19
